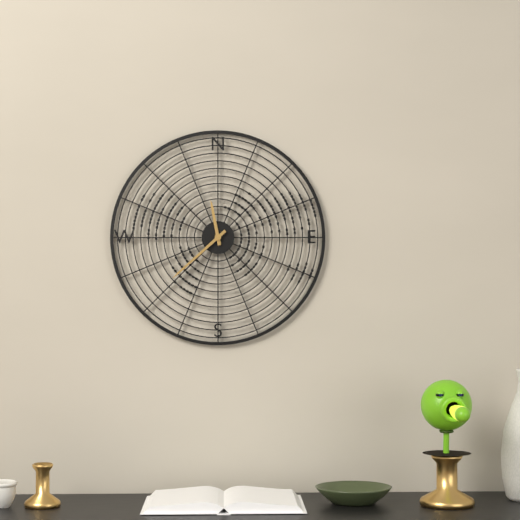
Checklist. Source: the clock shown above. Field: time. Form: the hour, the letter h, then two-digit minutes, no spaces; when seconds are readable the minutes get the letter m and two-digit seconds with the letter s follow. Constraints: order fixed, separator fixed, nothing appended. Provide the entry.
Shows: 11h38
